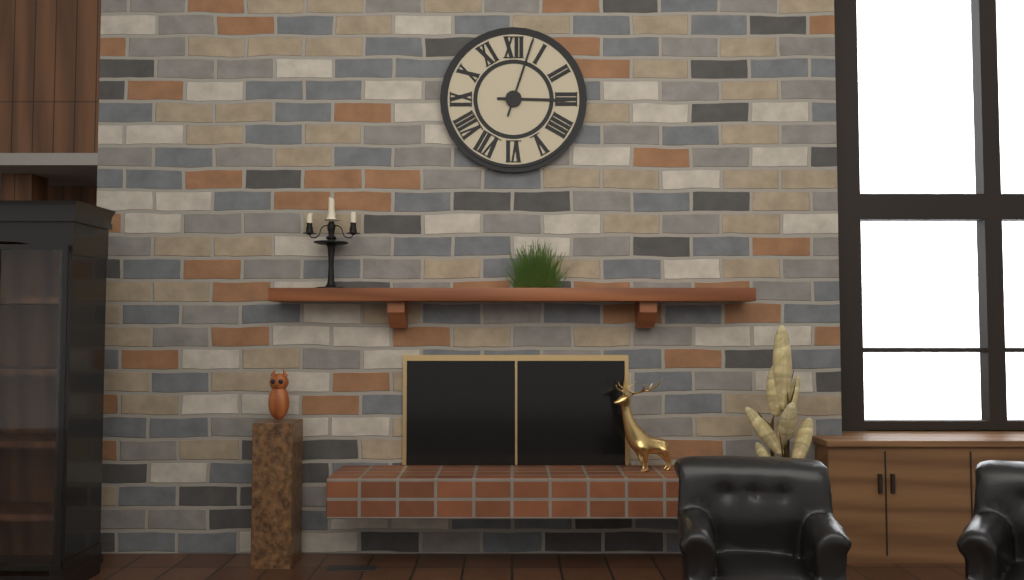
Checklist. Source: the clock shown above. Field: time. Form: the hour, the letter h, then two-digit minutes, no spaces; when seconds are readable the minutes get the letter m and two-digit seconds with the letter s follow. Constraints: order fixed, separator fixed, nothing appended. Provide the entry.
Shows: 3h03
